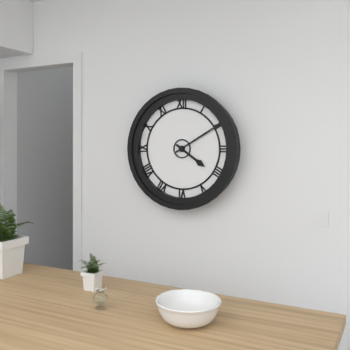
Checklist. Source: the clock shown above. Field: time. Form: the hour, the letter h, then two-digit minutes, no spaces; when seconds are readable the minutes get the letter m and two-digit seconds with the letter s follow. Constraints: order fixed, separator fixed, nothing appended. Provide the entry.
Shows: 4h10
